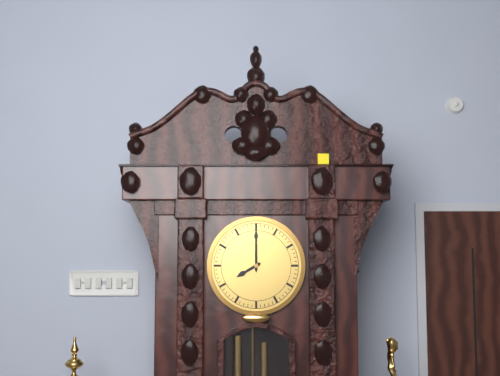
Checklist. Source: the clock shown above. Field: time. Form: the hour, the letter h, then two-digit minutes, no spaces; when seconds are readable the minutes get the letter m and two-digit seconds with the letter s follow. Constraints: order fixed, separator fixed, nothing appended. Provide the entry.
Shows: 8h00
